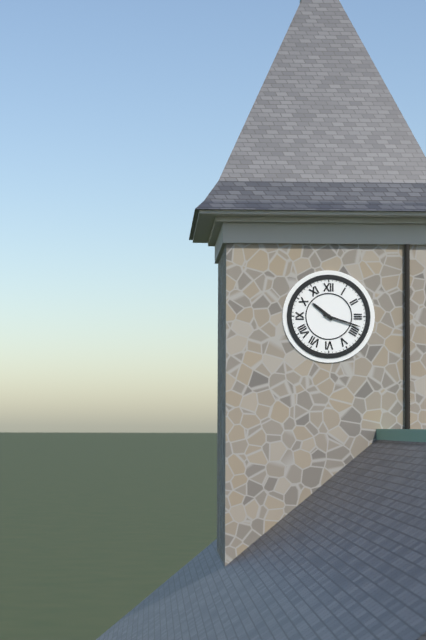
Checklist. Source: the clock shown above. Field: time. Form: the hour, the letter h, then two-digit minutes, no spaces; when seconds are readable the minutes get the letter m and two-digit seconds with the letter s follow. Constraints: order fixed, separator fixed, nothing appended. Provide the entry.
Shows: 10h18
